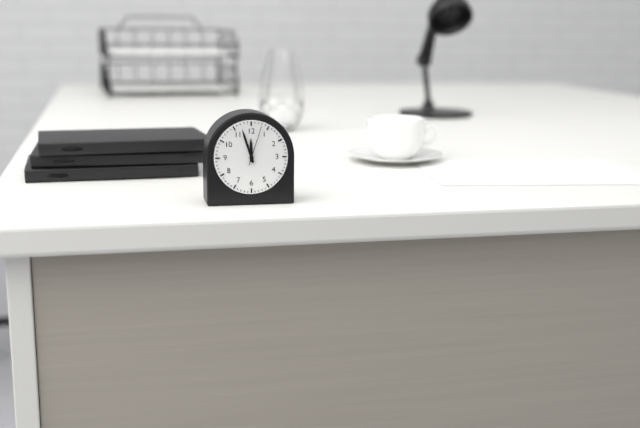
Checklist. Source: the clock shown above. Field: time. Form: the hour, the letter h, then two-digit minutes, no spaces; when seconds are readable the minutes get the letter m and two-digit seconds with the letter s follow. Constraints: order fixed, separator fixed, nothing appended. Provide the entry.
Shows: 11h57
